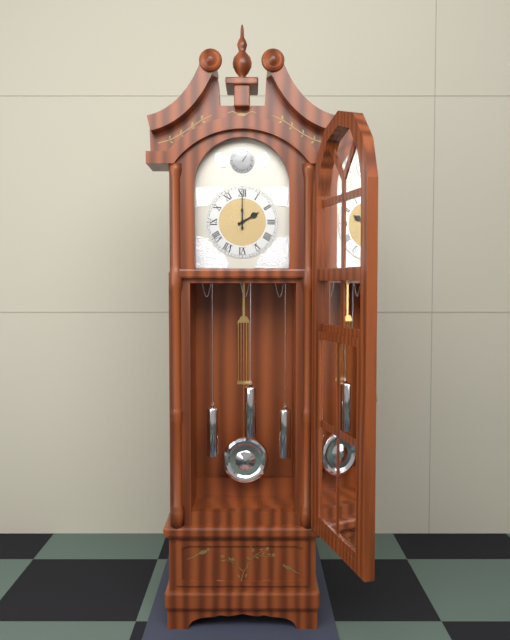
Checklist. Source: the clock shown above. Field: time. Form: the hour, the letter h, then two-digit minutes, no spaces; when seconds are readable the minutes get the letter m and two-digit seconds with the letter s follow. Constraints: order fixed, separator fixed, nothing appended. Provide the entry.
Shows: 2h00
